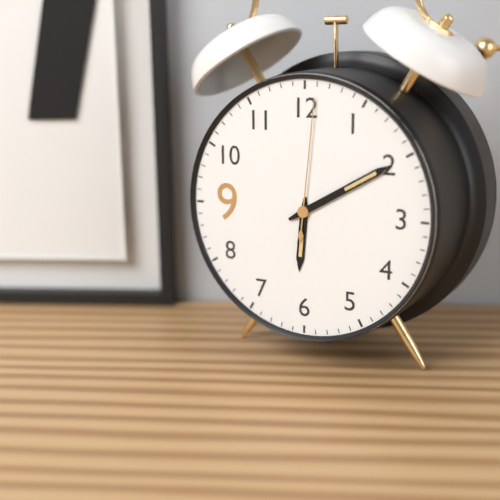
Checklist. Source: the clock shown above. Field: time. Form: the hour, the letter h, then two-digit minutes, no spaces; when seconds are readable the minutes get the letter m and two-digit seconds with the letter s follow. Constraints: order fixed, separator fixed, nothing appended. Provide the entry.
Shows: 6h10m01s
